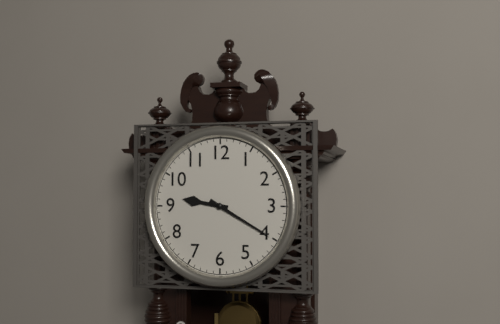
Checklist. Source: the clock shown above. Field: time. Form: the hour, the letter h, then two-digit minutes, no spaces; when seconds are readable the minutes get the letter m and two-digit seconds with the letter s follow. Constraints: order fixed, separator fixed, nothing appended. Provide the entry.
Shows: 9h20
